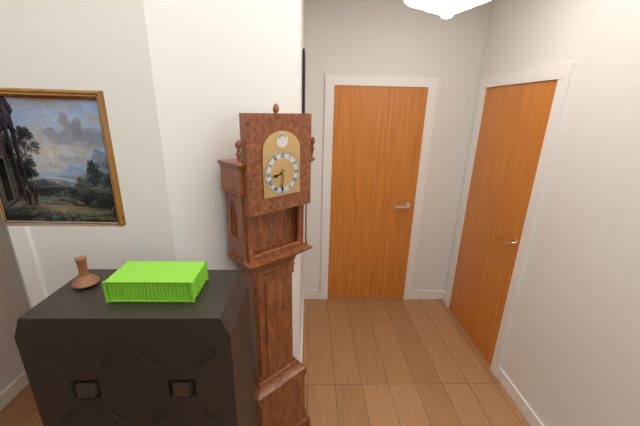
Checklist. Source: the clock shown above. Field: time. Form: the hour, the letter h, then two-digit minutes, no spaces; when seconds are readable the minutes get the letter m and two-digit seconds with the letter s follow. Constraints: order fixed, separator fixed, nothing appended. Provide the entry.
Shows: 8h31
